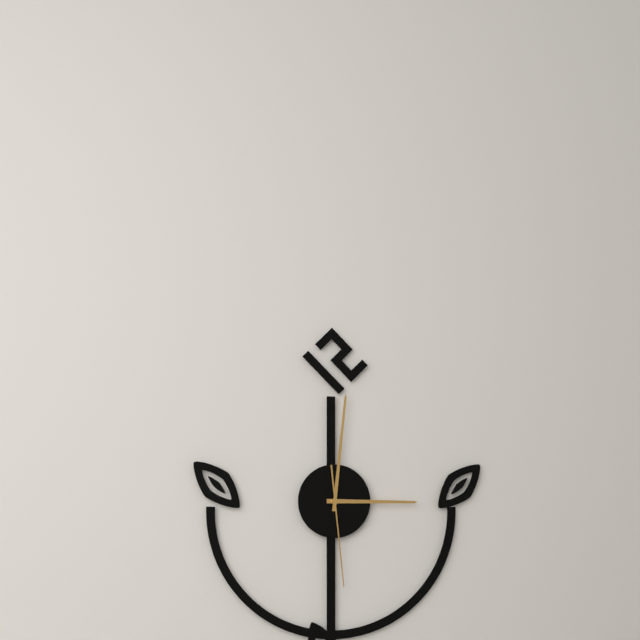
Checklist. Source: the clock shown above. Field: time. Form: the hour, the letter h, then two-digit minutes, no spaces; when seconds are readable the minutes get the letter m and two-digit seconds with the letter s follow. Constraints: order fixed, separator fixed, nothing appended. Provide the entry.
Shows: 3h01m29s
